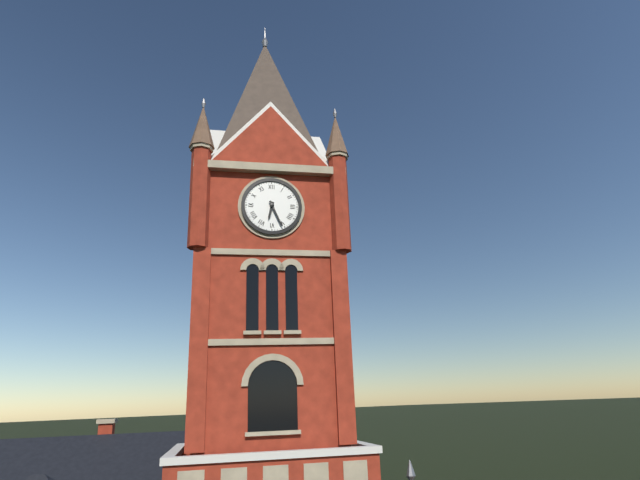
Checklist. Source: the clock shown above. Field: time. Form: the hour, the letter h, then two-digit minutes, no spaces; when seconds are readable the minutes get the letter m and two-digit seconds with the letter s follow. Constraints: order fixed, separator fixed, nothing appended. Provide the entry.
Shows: 6h26
